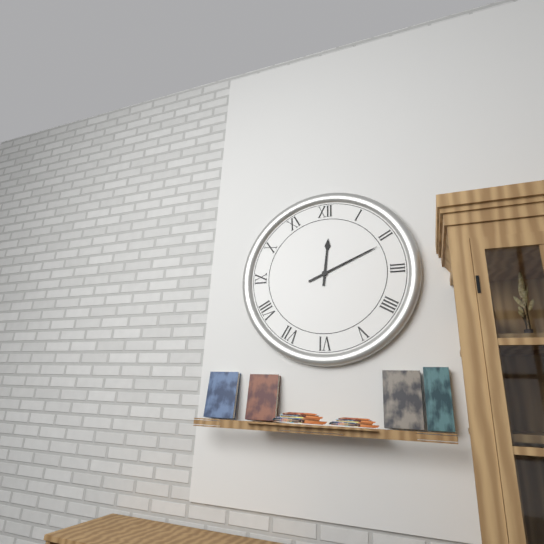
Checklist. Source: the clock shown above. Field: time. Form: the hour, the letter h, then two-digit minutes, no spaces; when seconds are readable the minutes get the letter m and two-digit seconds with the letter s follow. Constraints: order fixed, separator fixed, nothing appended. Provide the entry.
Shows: 12h11
